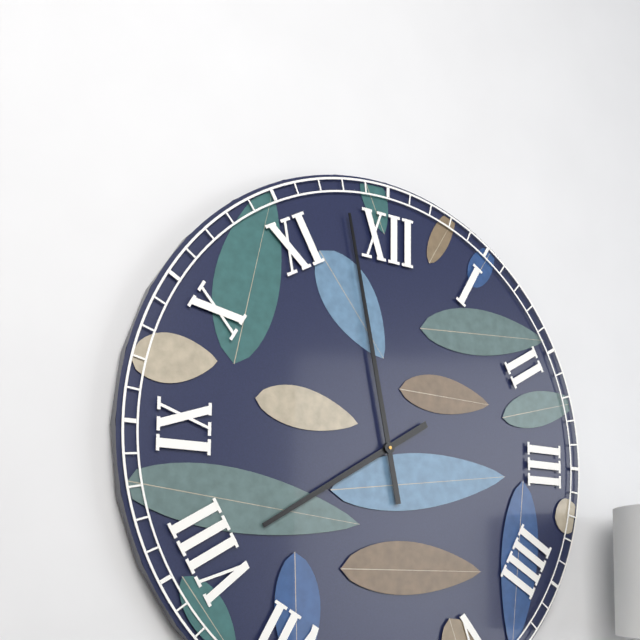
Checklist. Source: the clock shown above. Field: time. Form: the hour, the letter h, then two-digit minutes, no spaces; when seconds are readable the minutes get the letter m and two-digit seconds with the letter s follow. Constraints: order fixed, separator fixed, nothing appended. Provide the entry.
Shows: 7h58
